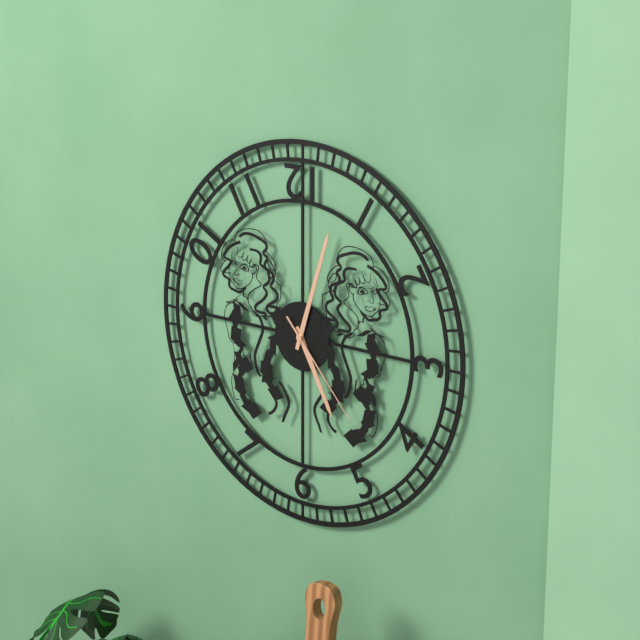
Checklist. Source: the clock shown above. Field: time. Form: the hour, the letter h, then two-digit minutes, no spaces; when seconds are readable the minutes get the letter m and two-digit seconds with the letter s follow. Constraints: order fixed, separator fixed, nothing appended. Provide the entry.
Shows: 5h03m23s
